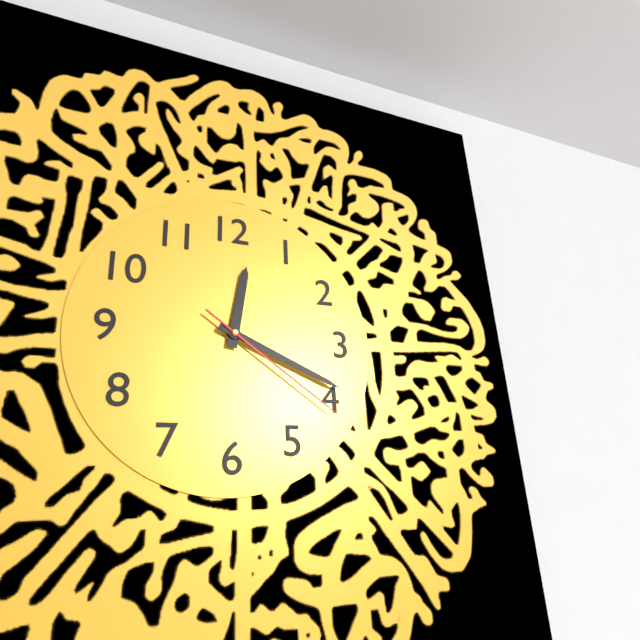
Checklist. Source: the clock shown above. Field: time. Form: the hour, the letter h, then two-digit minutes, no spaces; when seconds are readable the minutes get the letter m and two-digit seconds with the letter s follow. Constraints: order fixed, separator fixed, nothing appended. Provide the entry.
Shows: 12h19m21s
